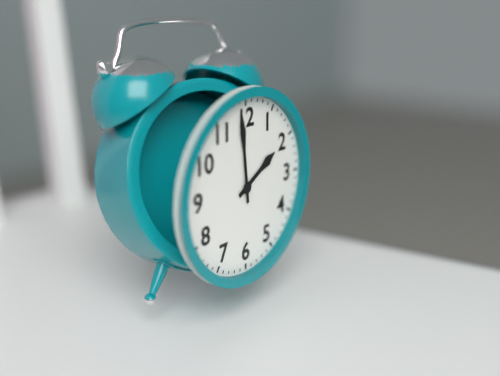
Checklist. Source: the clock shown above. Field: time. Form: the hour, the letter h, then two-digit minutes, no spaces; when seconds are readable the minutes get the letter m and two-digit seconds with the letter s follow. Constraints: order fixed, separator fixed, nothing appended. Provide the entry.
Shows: 1h59
